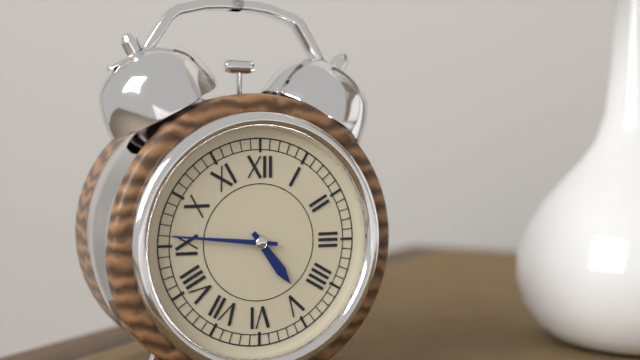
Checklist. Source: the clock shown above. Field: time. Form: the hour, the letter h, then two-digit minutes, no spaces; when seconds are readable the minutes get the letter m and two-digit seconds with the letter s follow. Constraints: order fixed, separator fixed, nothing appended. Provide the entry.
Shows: 4h46
